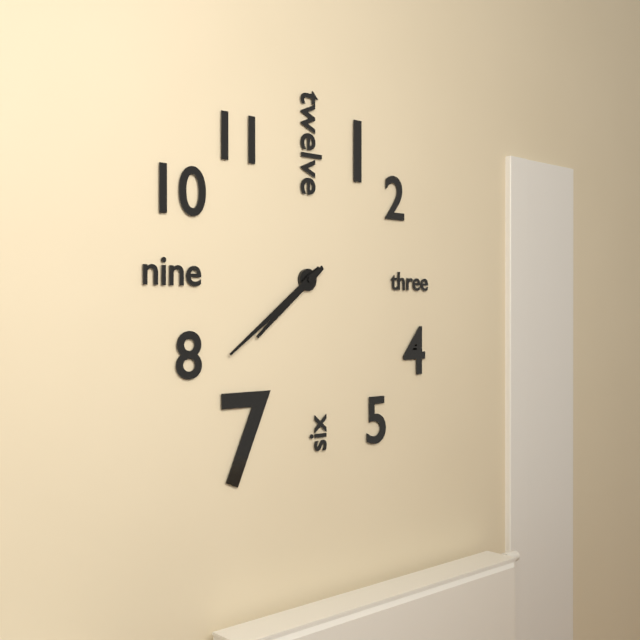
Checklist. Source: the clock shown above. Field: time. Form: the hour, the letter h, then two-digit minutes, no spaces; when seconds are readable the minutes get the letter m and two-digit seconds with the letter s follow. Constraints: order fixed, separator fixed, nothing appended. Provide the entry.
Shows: 7h39
